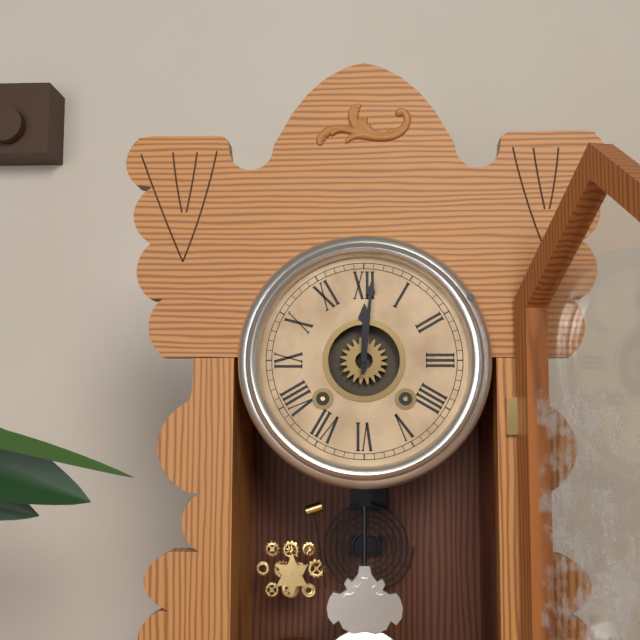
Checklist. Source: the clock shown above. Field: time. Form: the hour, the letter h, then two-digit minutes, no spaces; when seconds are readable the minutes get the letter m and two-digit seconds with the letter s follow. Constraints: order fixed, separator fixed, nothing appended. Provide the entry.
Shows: 12h01
